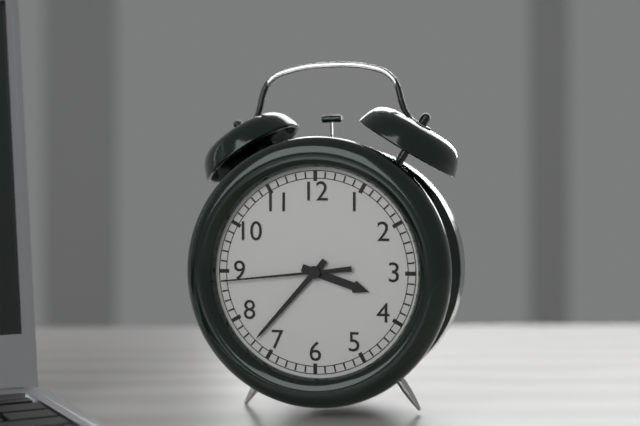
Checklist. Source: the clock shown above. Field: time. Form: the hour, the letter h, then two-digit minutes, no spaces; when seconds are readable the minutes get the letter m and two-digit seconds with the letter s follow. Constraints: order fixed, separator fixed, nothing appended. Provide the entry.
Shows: 3h37m44s
